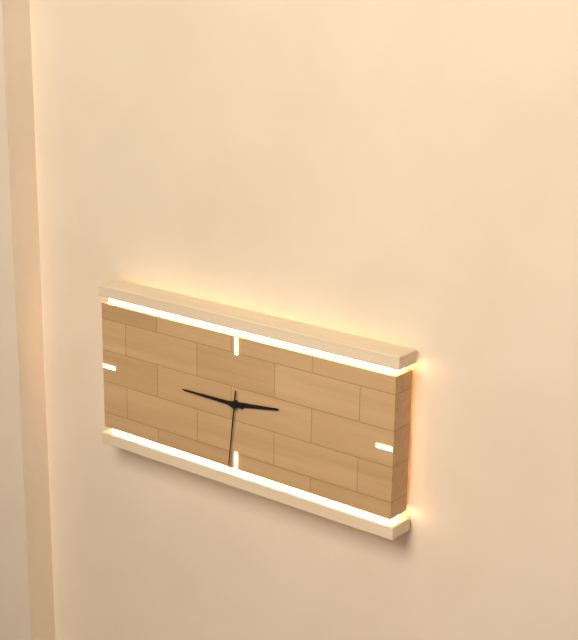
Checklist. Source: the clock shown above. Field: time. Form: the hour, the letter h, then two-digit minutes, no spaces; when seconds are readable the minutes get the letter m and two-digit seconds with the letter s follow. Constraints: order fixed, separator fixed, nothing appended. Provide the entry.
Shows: 2h45m31s
